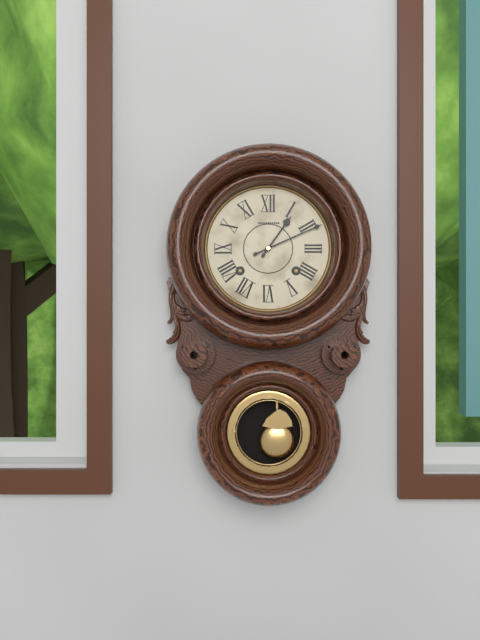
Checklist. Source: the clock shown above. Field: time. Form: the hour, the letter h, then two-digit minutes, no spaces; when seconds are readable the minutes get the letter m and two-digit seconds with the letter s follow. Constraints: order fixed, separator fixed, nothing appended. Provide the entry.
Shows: 1h11
